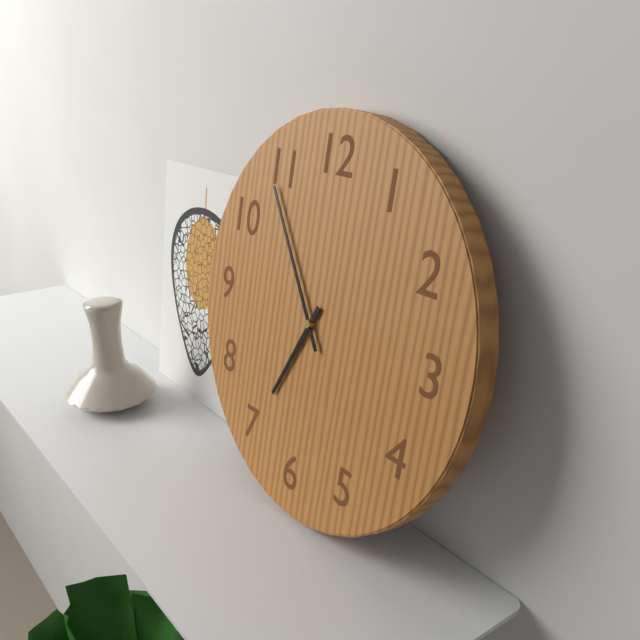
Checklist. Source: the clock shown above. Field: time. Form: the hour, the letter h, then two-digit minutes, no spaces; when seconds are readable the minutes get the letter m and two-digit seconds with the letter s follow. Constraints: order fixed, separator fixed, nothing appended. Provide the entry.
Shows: 6h54
